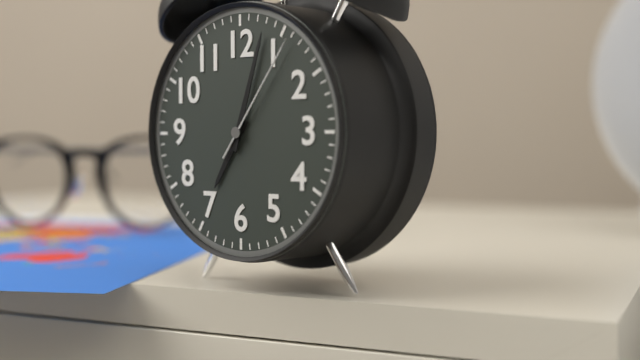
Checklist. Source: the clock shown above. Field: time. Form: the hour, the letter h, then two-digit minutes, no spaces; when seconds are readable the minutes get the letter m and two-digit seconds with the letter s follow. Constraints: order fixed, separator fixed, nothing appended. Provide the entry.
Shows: 7h03m06s
